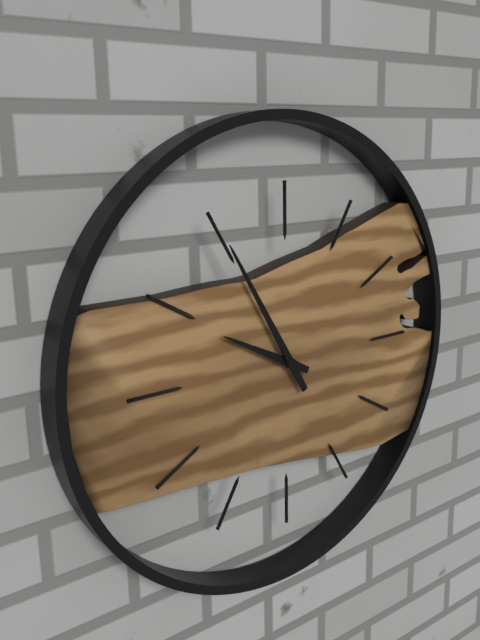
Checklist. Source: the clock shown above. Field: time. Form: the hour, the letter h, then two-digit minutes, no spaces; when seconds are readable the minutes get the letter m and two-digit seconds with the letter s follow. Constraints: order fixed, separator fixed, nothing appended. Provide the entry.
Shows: 9h55
